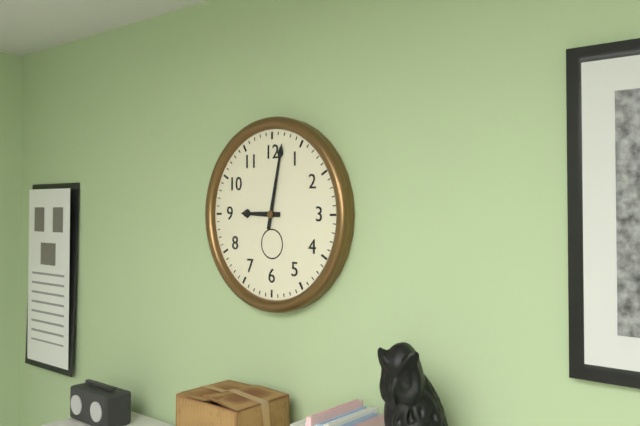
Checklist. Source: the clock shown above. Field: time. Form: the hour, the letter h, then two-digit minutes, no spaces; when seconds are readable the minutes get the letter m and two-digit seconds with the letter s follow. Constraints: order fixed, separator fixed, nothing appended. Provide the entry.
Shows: 9h02
